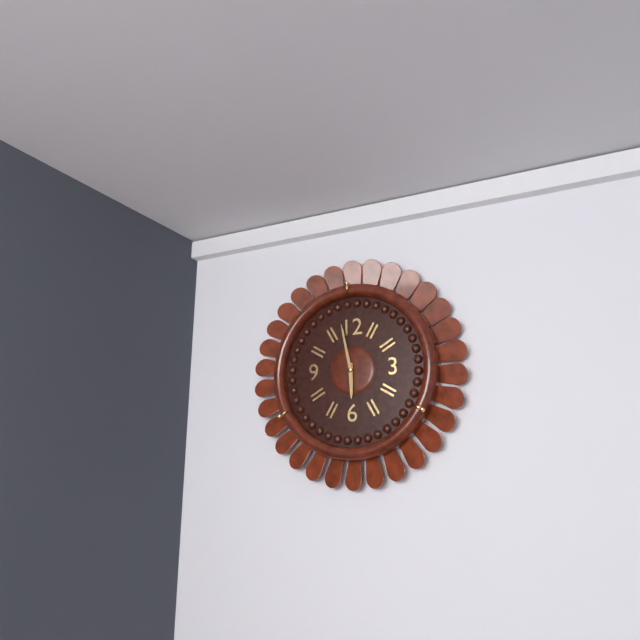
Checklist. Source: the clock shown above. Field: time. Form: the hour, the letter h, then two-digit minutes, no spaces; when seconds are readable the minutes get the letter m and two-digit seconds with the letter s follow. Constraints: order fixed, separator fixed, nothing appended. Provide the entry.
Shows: 5h58
